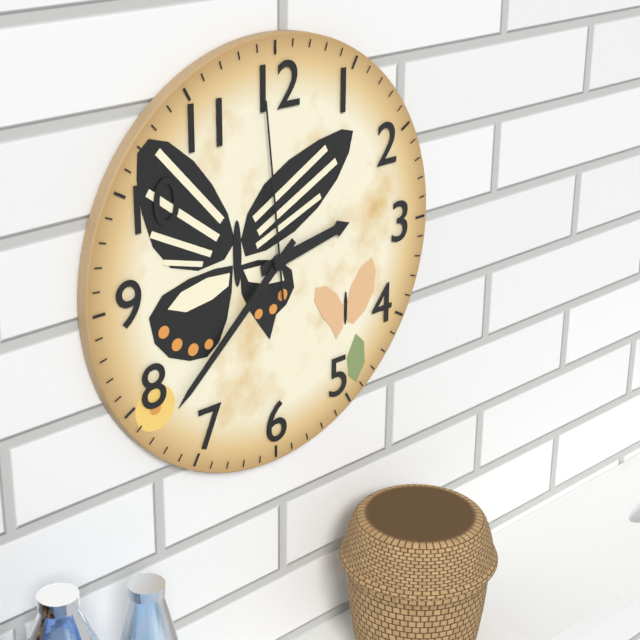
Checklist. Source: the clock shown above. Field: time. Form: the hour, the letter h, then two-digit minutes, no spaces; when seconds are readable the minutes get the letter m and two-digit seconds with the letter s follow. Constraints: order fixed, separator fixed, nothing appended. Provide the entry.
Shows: 2h38m59s
